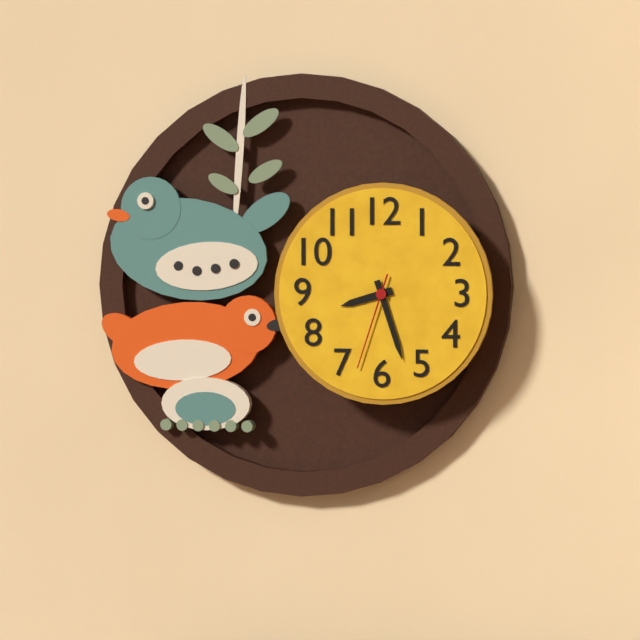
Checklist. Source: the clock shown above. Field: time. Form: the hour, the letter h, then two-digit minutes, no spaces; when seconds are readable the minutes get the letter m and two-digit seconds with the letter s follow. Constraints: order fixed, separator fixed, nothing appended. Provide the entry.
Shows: 8h27m33s
